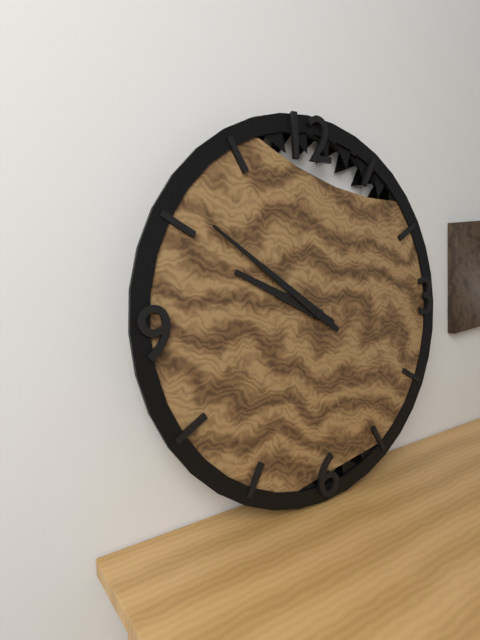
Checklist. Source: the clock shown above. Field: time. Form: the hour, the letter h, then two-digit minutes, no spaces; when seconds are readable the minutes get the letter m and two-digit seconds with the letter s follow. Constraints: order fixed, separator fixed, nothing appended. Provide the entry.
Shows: 9h51
